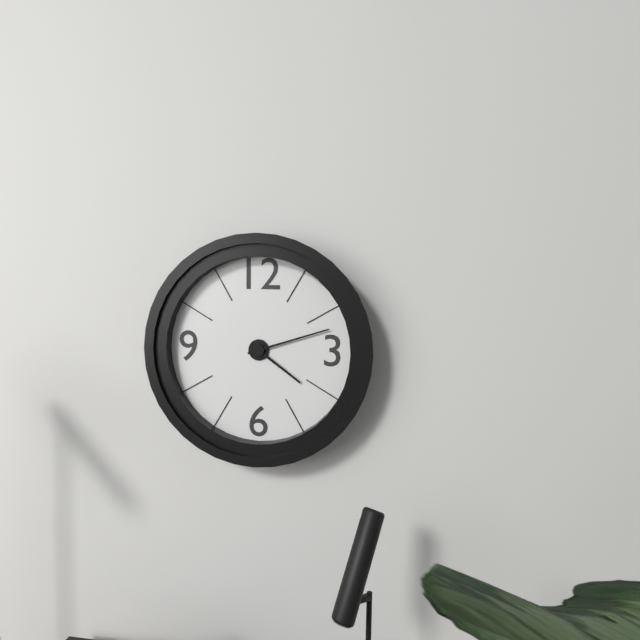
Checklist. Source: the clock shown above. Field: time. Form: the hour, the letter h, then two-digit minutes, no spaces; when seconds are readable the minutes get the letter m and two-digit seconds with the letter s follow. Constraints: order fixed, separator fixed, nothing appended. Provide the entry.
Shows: 4h12
